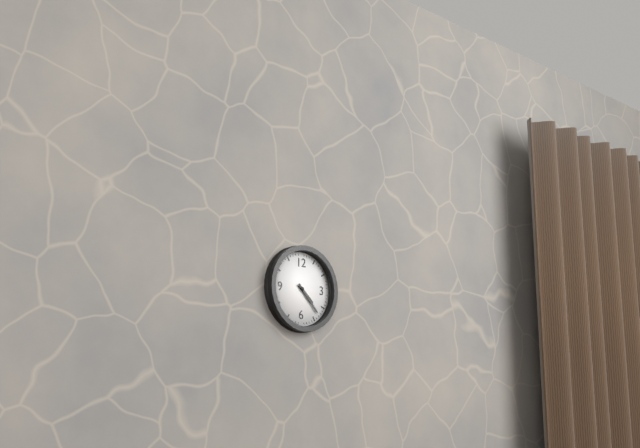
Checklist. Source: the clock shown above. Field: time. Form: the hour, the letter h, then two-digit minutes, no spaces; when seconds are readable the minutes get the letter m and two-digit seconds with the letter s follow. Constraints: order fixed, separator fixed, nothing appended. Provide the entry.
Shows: 4h23
